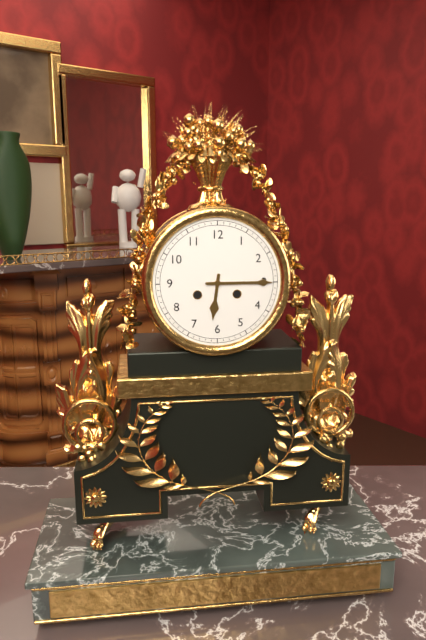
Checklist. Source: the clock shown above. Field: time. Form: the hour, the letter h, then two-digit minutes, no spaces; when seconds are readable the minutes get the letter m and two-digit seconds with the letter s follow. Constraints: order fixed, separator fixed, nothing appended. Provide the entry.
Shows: 6h15
